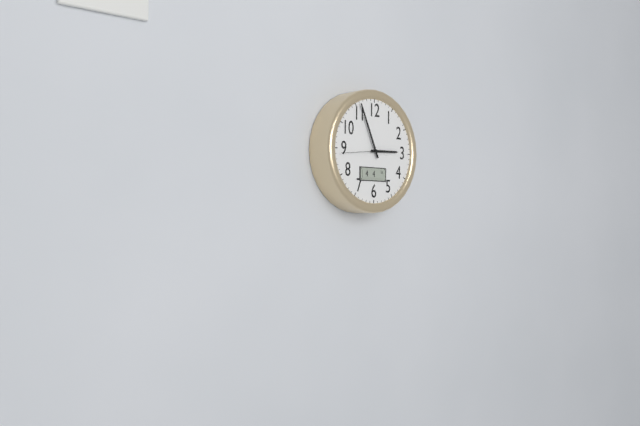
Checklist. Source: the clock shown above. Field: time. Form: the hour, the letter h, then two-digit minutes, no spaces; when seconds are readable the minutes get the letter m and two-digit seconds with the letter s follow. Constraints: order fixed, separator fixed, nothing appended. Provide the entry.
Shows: 2h56
